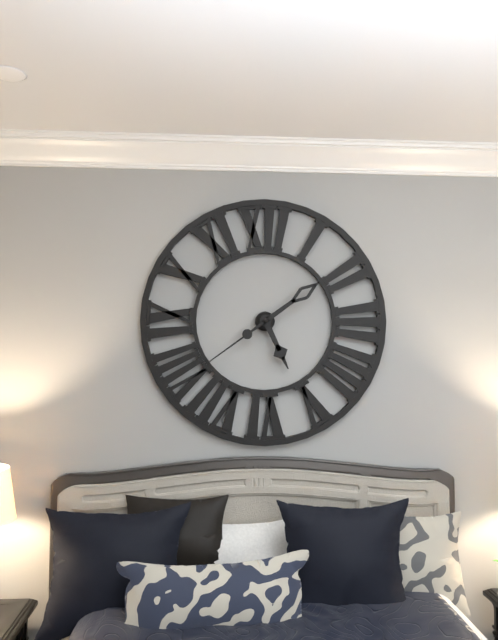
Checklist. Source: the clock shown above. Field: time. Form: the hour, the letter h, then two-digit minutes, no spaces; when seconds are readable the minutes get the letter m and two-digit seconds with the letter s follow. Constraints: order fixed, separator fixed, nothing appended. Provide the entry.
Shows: 5h09m39s
